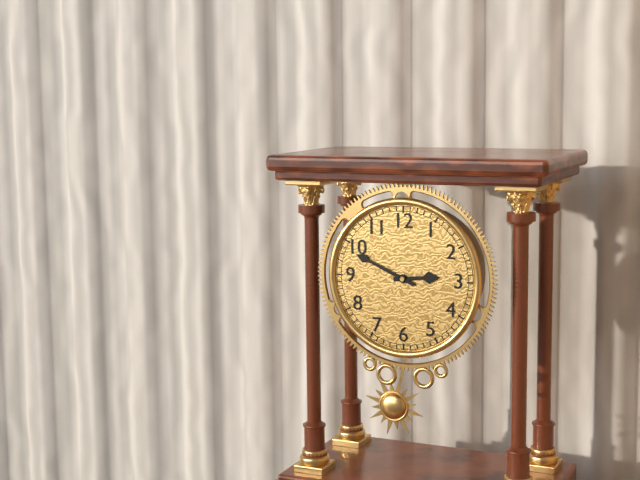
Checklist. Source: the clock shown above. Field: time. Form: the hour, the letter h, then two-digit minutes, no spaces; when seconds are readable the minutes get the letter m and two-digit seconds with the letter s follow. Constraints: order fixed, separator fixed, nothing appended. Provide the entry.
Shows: 2h49
